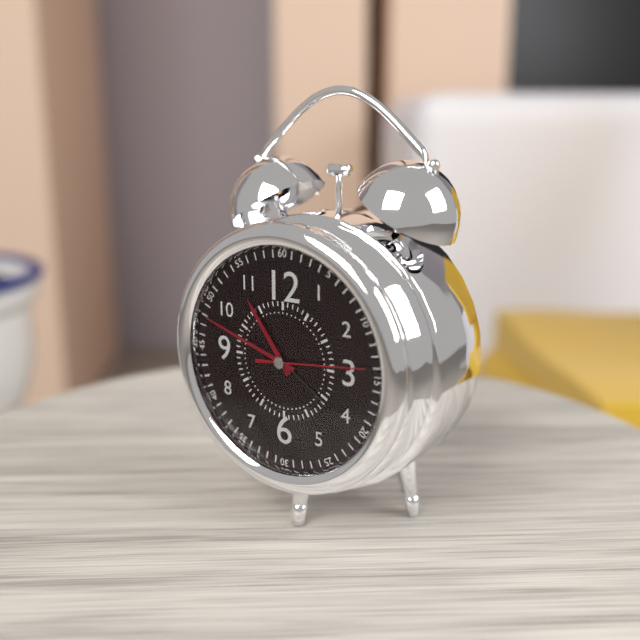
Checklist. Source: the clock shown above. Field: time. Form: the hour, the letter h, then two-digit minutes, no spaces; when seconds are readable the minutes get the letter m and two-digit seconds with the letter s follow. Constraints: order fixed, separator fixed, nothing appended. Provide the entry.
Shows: 10h48m14s
